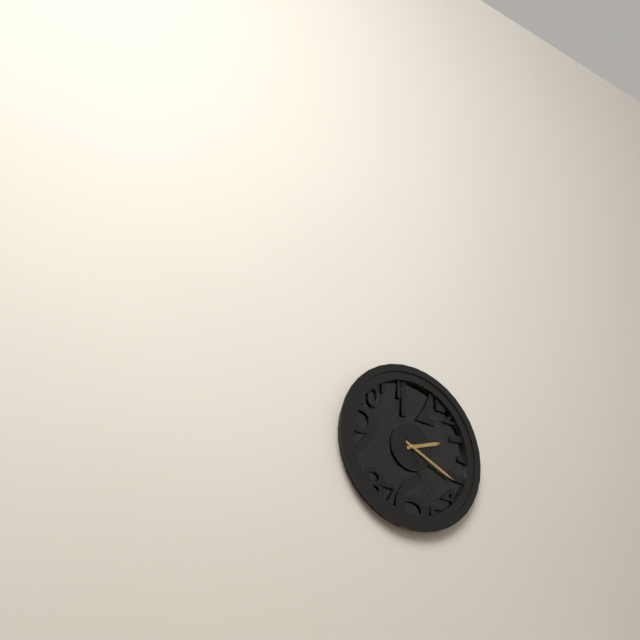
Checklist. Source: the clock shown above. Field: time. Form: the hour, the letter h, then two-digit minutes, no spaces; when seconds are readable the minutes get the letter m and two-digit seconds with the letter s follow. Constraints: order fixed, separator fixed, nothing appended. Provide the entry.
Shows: 2h19m25s
